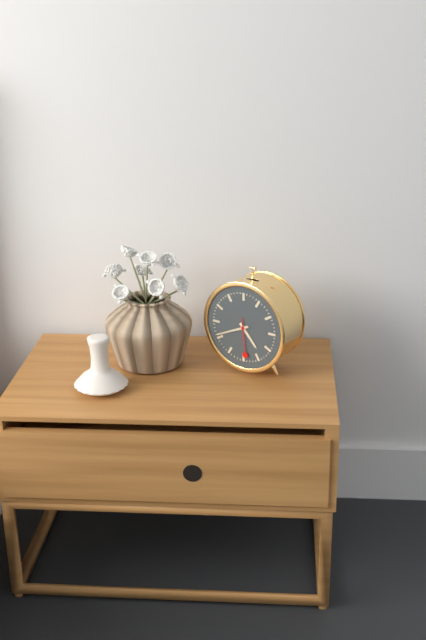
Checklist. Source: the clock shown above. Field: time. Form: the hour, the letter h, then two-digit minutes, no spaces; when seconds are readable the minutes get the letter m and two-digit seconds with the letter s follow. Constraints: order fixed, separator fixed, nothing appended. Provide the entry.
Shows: 4h41
